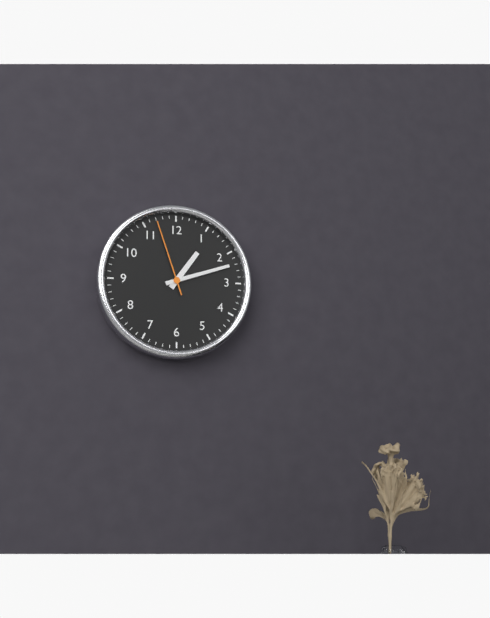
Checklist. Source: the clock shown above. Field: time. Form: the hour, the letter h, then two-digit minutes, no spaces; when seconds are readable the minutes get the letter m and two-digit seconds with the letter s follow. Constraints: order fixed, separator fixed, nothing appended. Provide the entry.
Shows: 1h12m57s
